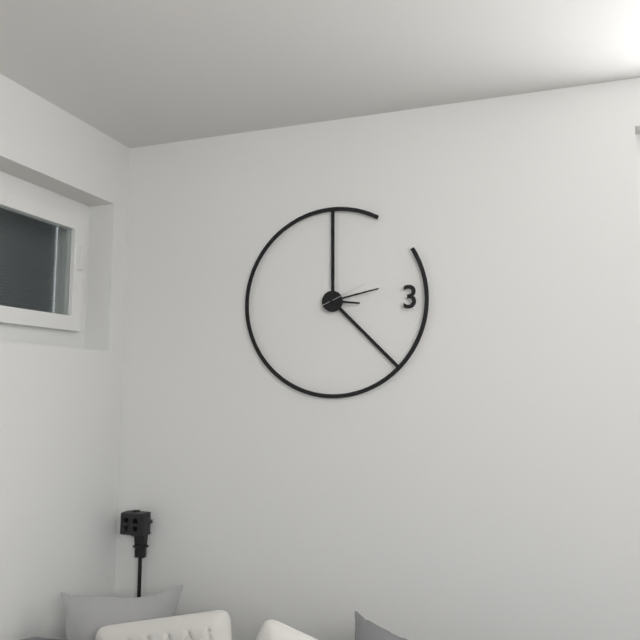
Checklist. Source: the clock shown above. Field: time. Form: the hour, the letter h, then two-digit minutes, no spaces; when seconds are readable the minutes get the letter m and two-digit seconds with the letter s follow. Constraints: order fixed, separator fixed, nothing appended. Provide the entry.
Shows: 3h13
